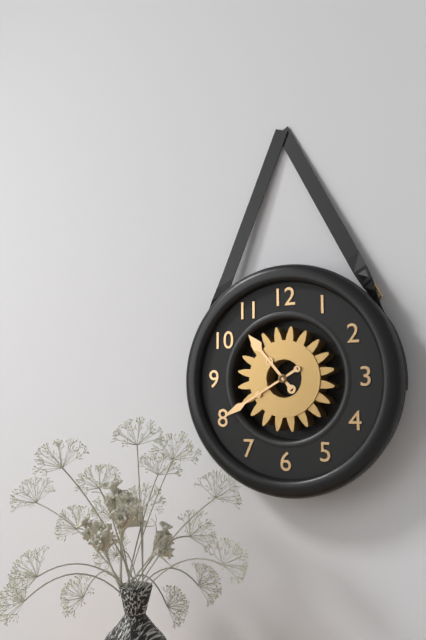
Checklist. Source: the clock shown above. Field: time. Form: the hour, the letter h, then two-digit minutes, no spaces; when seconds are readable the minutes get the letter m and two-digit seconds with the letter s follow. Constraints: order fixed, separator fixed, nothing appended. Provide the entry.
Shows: 10h40
